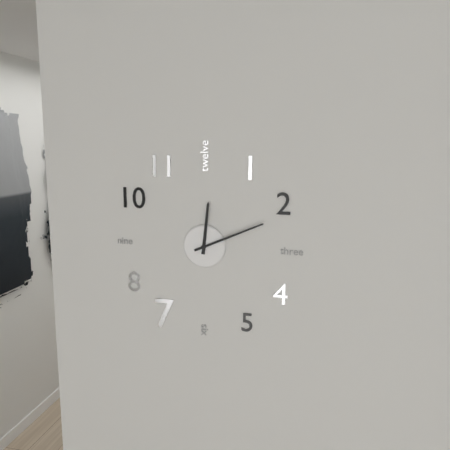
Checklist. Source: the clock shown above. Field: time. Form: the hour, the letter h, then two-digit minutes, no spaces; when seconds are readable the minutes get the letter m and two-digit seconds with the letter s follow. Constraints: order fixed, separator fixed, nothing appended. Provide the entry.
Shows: 12h11
